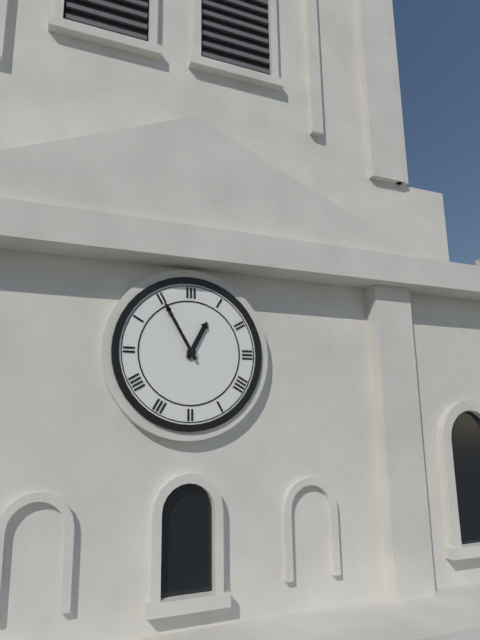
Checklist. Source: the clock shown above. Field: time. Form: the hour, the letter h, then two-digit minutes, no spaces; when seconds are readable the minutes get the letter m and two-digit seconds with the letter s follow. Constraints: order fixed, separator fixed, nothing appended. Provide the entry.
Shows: 12h55
